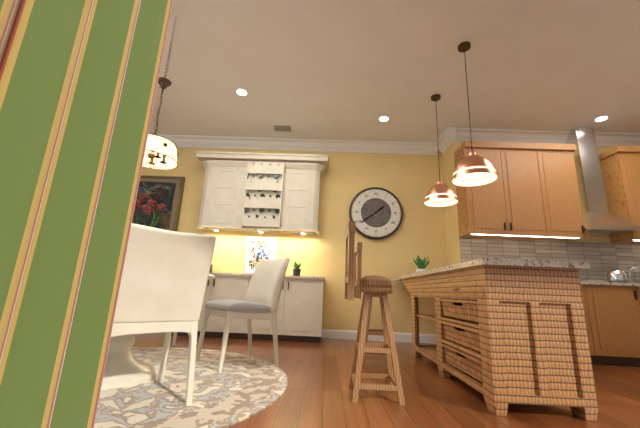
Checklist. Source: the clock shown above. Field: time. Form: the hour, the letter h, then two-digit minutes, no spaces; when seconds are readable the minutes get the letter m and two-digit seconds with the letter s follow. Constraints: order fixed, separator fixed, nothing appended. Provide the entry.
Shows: 1h39
